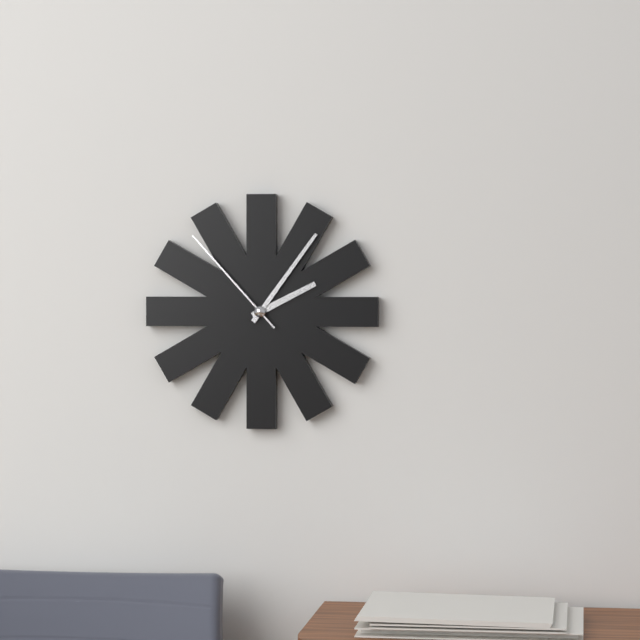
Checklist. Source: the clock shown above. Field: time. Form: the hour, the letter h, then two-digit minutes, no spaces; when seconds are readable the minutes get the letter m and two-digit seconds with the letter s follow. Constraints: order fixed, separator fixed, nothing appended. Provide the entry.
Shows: 2h06m53s
